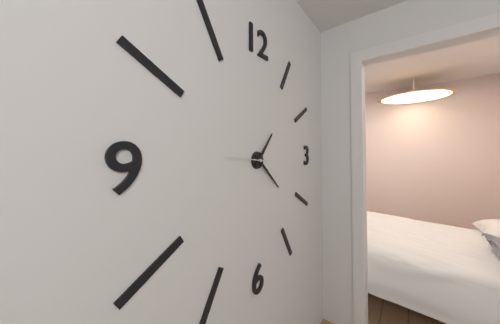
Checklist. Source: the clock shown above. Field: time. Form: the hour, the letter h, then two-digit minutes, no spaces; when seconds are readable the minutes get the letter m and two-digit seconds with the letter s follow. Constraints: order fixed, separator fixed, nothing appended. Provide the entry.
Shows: 1h22
